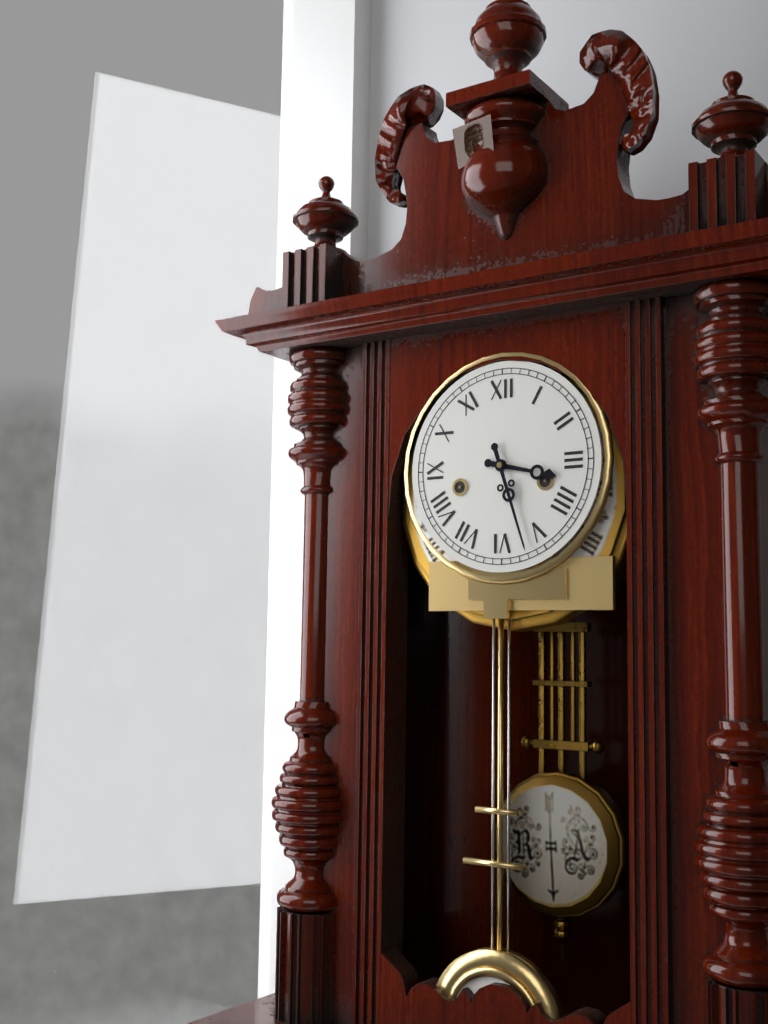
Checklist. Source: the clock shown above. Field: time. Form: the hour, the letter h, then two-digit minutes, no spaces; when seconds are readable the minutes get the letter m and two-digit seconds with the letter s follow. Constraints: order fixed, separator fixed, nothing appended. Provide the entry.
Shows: 3h27
